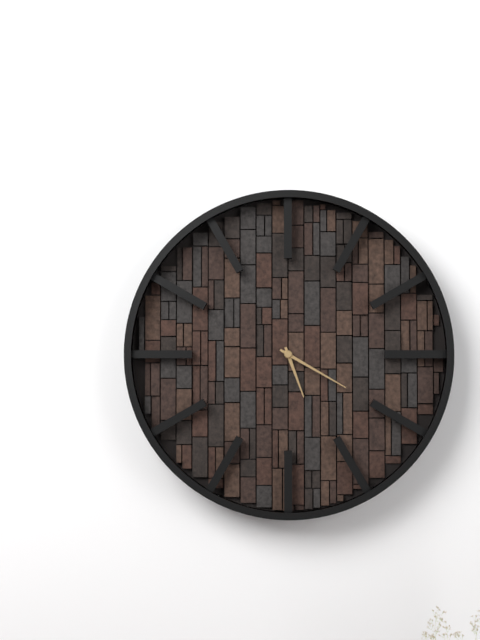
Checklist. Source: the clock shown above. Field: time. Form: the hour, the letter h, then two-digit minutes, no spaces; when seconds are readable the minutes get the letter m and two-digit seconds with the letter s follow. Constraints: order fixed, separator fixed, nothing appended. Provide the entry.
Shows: 5h20
